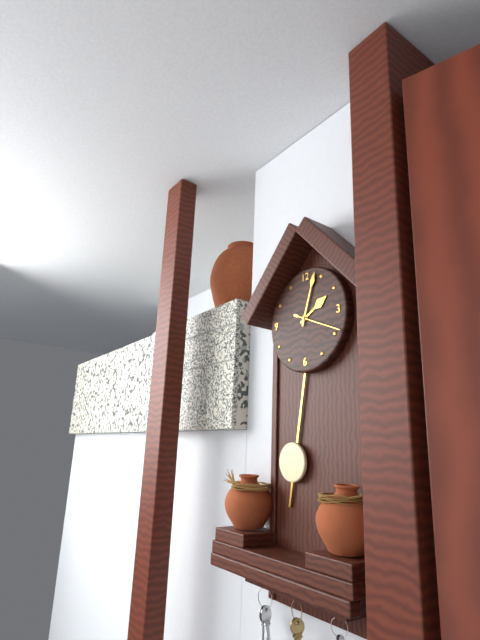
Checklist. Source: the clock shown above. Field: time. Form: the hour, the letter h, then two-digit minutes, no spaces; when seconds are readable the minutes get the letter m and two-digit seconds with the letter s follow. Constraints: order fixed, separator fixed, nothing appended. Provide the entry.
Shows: 2h03
